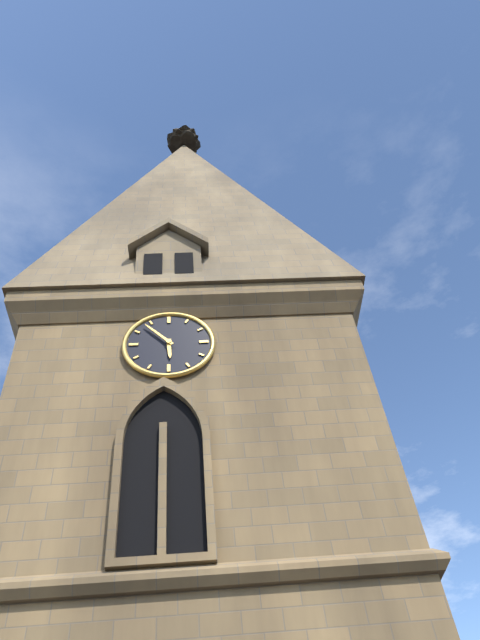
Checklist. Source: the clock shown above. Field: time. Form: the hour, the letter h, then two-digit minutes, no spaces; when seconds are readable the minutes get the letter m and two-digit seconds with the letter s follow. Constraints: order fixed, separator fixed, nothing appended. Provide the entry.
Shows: 5h53
